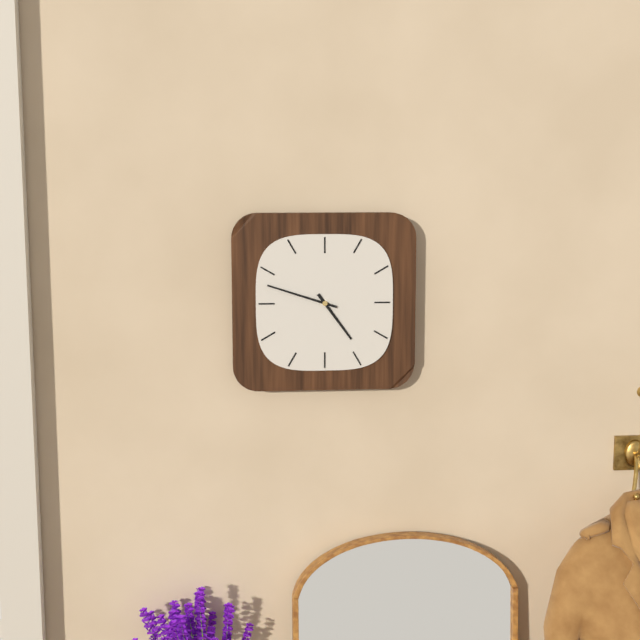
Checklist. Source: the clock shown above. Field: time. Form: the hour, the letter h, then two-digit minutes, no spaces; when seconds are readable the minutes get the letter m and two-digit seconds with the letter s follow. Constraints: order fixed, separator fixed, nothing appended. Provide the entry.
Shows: 4h48
